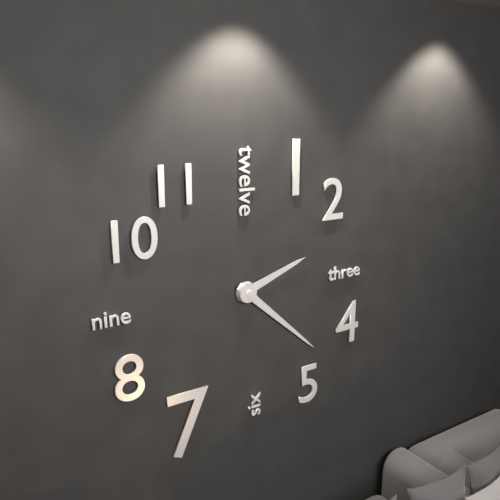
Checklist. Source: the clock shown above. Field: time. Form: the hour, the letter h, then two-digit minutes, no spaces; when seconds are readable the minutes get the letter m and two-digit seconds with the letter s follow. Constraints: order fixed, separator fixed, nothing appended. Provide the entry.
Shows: 2h22
